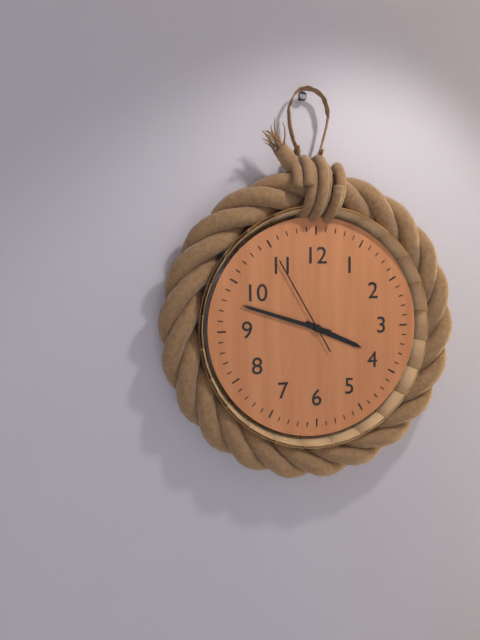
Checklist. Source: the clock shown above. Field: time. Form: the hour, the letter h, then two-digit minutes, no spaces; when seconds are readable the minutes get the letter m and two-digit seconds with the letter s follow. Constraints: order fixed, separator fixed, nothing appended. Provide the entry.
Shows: 3h48m55s
